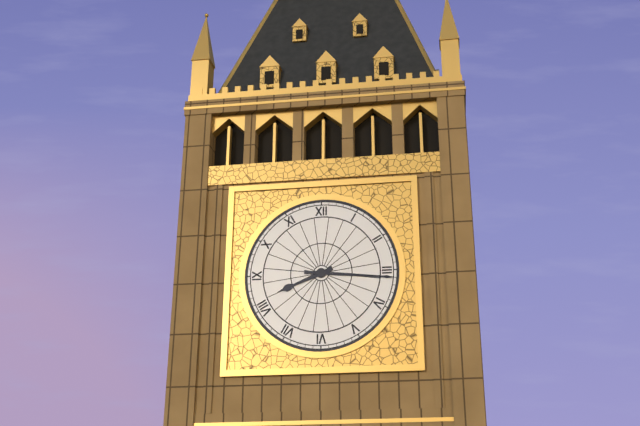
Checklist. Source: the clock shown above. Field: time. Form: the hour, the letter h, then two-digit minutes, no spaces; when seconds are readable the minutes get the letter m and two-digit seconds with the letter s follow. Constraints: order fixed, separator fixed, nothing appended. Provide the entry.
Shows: 8h16
